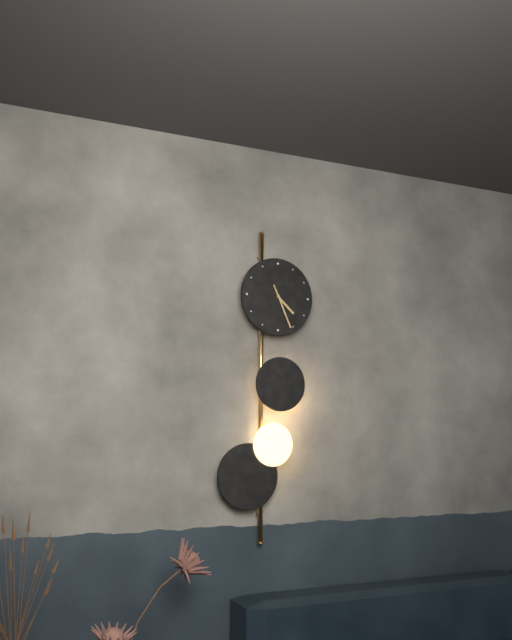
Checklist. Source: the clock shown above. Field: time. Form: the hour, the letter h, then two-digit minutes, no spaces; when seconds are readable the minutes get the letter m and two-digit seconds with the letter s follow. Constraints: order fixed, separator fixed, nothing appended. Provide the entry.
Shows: 4h26
